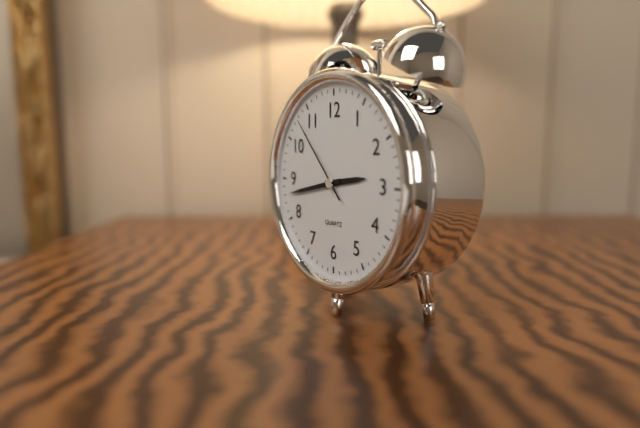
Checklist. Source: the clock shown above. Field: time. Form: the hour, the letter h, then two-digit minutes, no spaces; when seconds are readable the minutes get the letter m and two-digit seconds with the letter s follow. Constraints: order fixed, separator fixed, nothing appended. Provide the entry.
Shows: 2h43m53s
